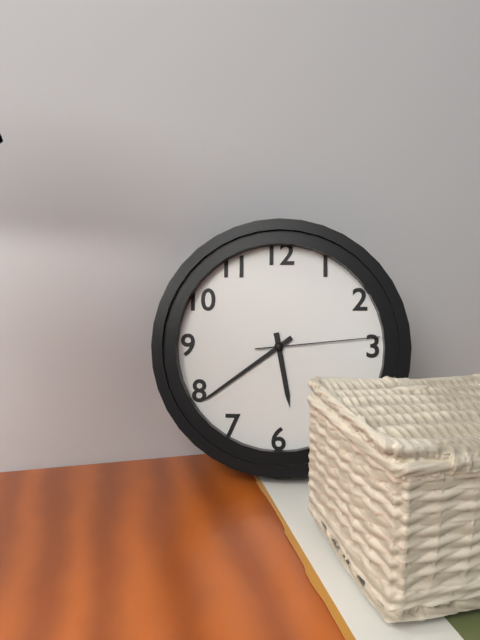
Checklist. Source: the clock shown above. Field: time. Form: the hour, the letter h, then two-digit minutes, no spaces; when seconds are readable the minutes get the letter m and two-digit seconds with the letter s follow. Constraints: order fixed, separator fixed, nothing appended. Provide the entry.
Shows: 5h39m14s
